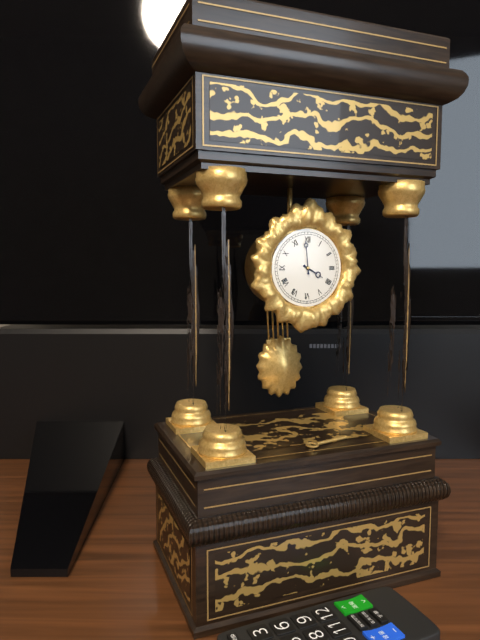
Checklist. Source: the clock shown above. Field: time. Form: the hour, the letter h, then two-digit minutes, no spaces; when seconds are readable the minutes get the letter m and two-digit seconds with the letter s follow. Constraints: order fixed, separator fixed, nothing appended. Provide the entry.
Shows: 3h59
